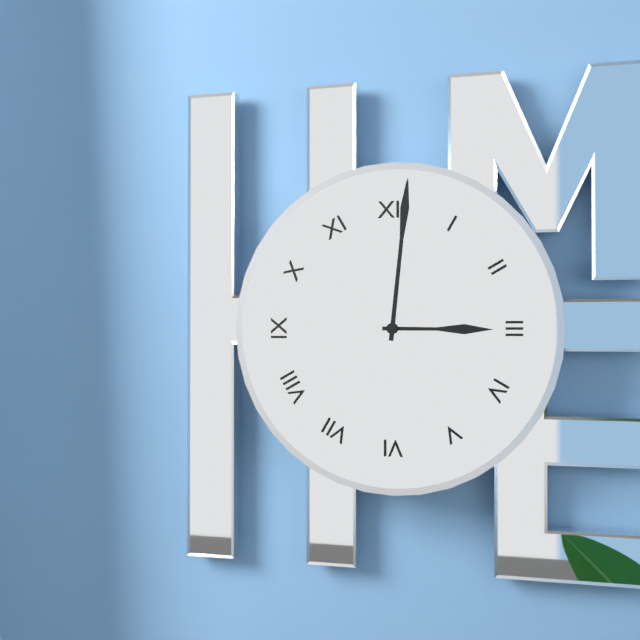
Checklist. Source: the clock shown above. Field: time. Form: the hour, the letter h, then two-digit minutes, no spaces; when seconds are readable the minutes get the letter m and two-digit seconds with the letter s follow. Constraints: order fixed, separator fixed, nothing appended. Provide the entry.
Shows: 3h01
